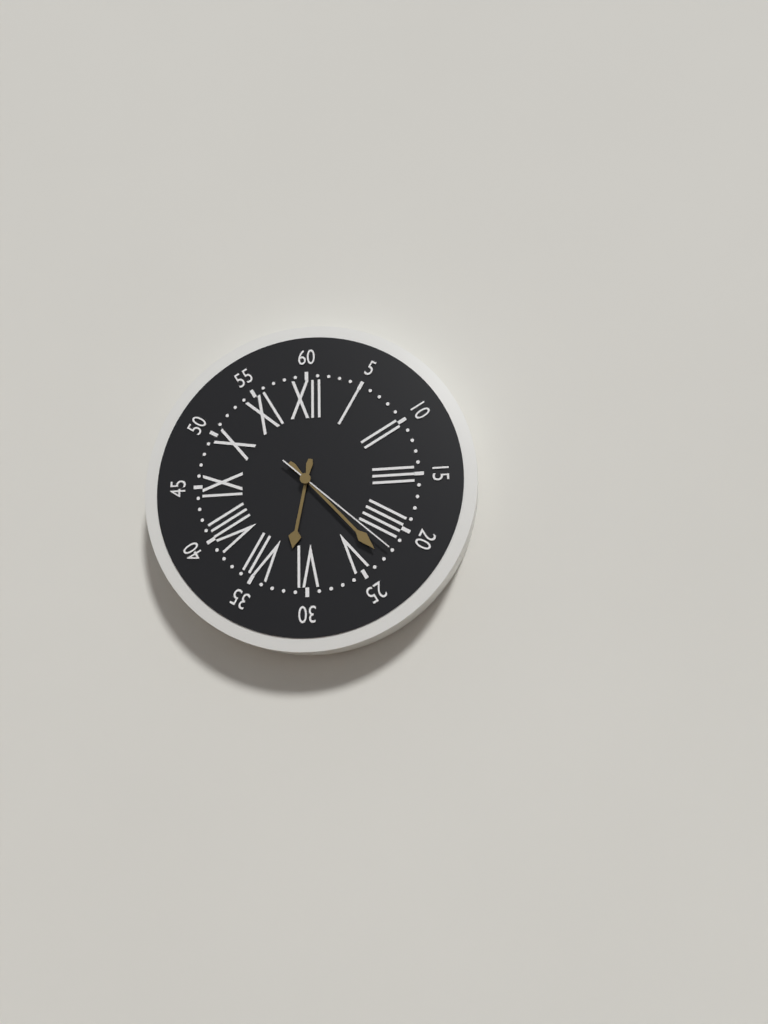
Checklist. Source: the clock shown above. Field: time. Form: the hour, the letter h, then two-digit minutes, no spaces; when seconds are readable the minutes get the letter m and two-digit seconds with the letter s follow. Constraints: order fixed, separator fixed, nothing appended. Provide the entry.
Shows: 6h23m22s
